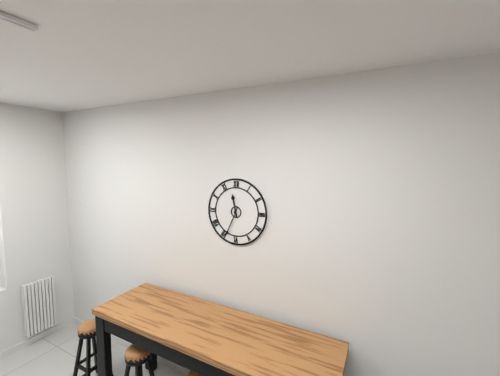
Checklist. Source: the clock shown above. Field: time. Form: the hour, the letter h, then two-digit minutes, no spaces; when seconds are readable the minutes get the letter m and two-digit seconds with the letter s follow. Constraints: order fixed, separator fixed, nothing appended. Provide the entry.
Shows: 11h34
